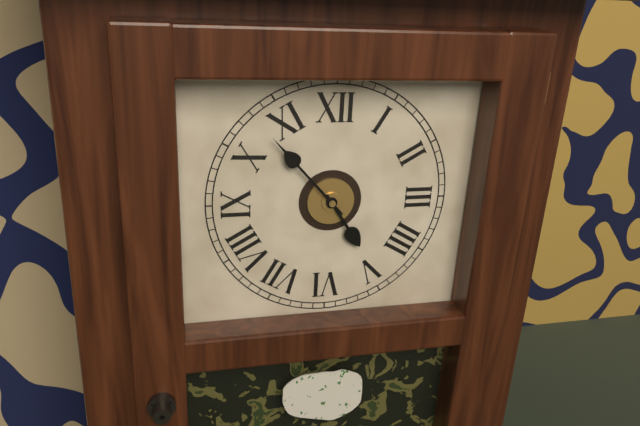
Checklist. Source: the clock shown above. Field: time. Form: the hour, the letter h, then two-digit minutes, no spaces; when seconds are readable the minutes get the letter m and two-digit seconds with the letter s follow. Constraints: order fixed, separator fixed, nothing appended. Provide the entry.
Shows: 4h53
